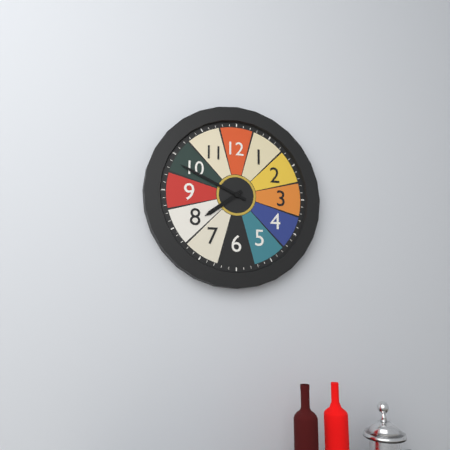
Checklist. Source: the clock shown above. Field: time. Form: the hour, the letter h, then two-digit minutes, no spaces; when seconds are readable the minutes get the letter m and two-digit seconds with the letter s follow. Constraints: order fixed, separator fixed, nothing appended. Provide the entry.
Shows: 7h49
